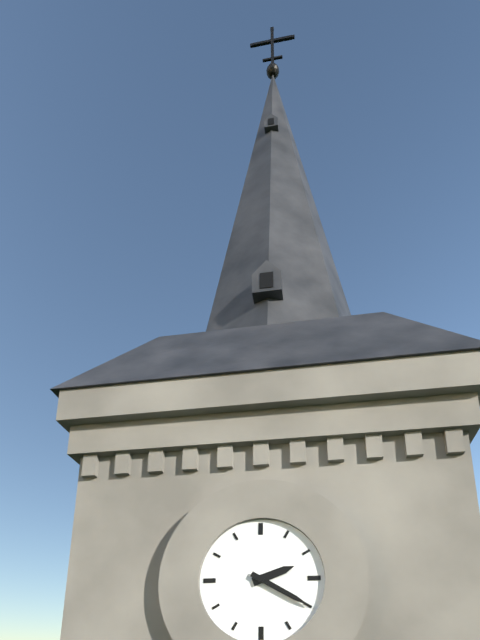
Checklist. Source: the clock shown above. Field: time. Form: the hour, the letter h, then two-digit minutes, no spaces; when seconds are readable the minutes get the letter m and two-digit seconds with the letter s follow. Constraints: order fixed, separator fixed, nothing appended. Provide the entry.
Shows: 2h20
